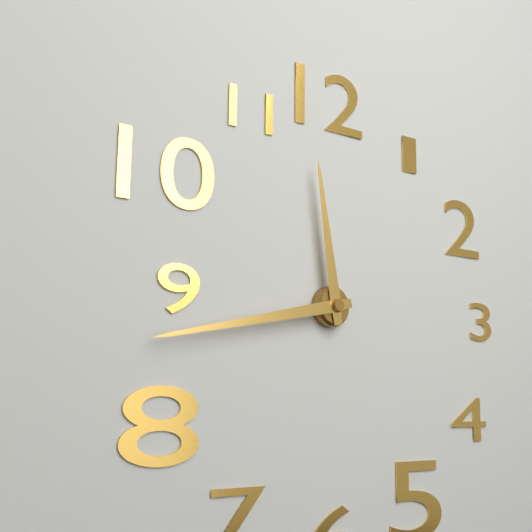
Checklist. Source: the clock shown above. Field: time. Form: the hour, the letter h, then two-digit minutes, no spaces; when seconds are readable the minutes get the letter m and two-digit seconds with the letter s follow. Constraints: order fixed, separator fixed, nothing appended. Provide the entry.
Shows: 11h43
